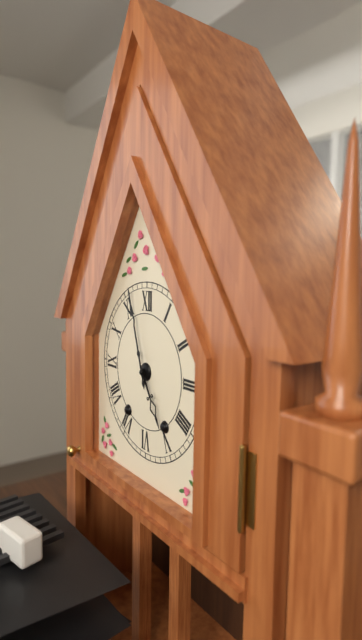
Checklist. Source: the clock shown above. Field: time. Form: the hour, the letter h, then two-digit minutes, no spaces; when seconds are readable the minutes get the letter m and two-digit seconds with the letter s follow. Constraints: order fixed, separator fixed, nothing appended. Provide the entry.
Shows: 4h57
